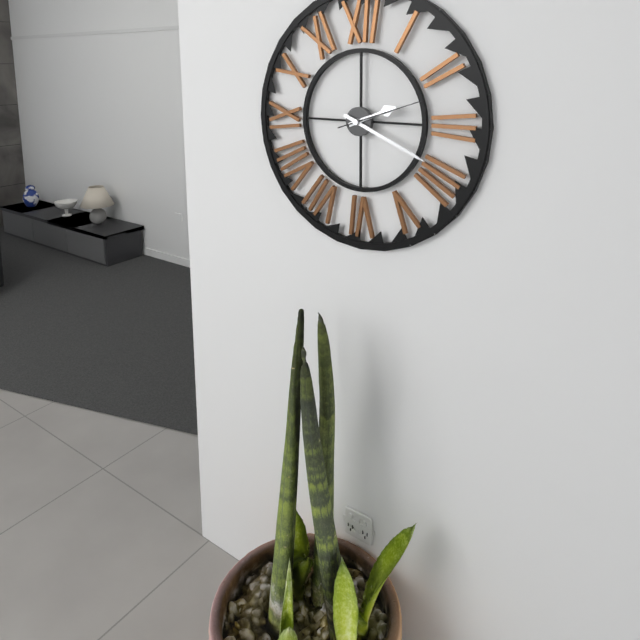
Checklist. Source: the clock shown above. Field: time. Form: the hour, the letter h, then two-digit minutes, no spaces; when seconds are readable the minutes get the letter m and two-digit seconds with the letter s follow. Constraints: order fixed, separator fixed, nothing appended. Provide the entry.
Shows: 2h19m12s
